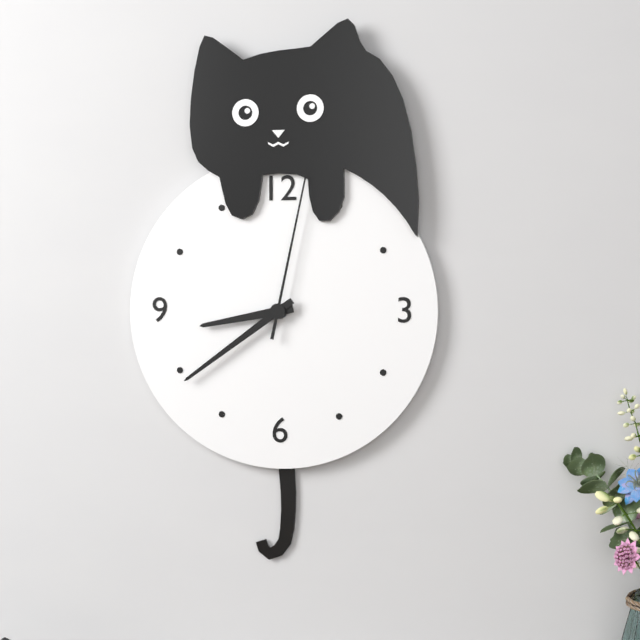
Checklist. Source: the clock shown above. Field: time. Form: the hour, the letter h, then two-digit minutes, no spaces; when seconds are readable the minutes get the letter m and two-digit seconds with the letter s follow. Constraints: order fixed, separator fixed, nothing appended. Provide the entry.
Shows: 8h39m02s
